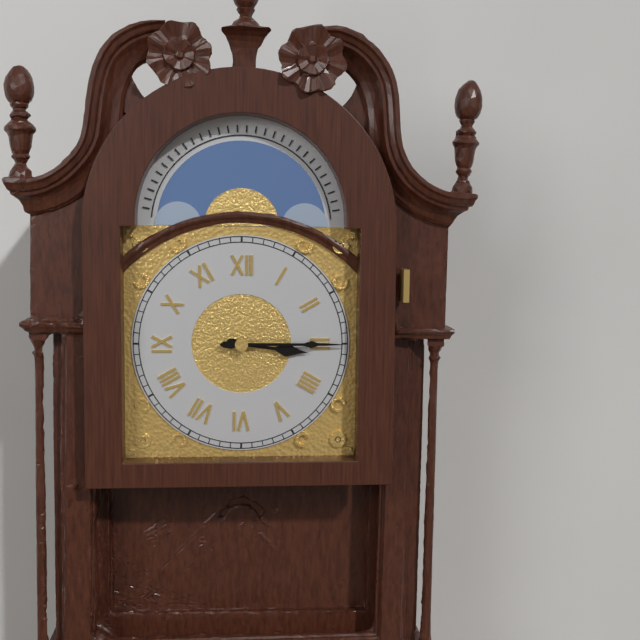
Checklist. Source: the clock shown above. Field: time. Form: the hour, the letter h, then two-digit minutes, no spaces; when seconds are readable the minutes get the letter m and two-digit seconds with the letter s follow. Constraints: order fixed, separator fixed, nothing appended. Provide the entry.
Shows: 3h15
